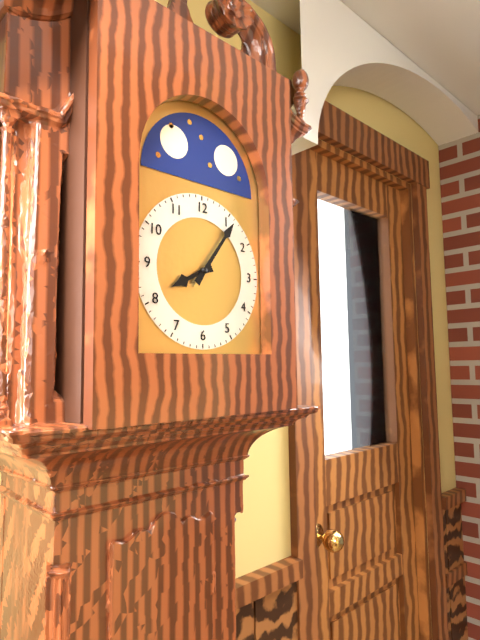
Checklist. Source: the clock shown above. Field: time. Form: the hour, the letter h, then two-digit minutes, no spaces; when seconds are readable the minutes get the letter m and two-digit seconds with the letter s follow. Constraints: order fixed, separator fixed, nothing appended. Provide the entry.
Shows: 8h06
